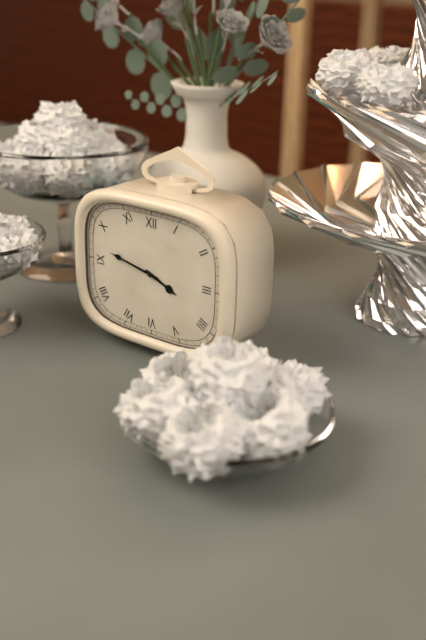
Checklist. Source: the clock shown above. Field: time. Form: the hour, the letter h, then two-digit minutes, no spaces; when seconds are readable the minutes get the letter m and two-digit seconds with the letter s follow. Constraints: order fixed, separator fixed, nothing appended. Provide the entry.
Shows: 3h47
